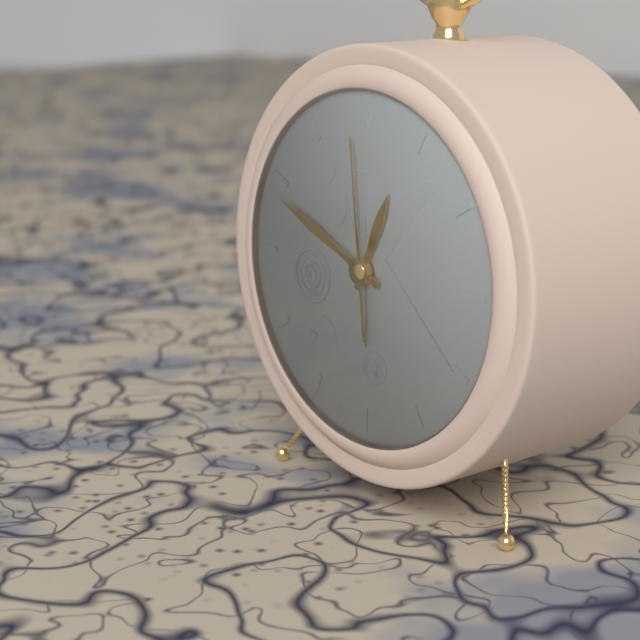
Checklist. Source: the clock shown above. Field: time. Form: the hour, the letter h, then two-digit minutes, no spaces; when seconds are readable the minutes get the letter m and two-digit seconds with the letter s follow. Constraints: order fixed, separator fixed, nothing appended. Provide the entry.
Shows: 12h49m59s
